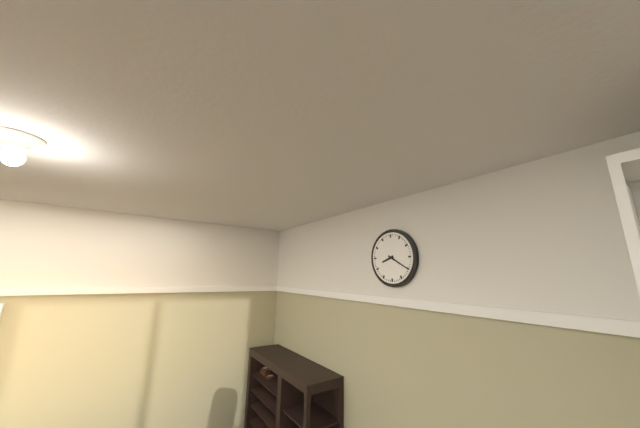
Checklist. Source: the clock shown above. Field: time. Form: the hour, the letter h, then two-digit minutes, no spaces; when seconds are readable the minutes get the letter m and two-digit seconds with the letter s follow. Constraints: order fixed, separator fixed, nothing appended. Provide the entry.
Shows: 8h20
